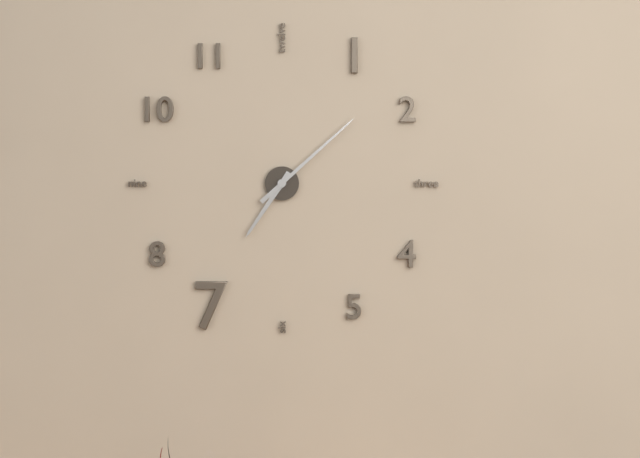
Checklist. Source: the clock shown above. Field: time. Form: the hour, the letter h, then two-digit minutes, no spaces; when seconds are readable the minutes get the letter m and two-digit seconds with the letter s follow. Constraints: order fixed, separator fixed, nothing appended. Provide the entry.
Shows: 7h08
